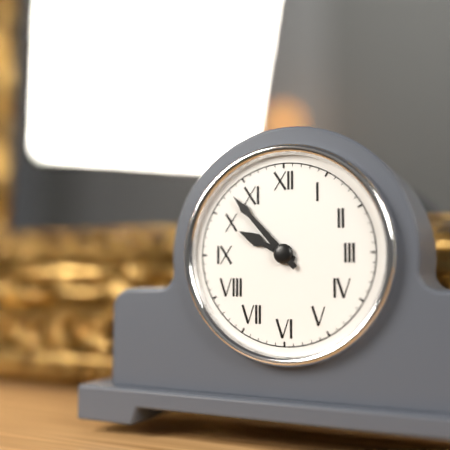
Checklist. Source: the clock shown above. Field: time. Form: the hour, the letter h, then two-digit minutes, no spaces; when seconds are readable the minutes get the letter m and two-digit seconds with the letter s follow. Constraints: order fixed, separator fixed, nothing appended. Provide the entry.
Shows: 9h53
